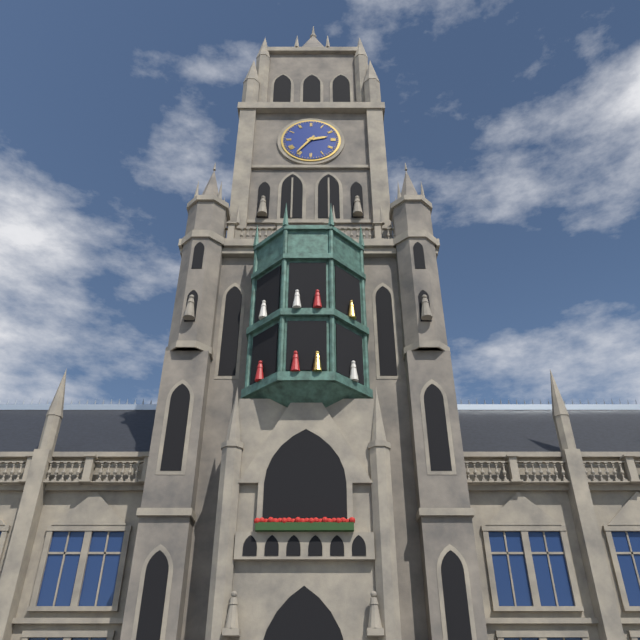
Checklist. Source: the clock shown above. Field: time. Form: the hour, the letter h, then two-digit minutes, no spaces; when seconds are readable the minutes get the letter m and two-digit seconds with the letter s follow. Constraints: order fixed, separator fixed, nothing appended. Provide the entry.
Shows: 2h36
